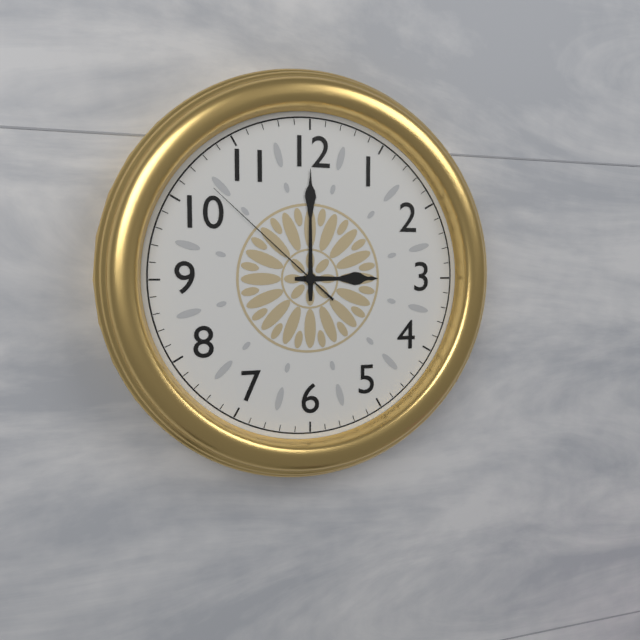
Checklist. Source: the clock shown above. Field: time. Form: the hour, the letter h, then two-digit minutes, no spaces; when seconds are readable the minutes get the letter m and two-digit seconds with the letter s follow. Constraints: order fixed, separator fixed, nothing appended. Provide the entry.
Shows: 3h00m52s
